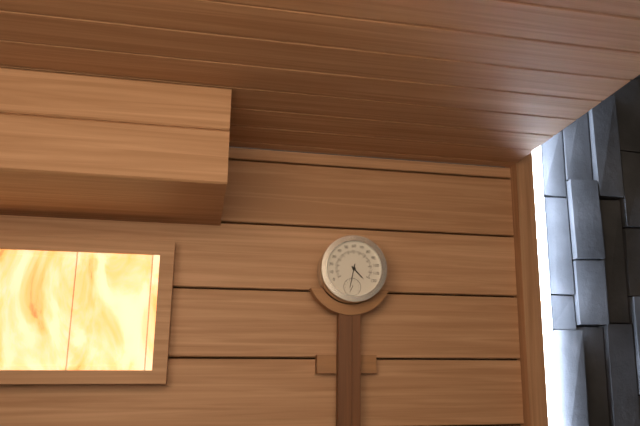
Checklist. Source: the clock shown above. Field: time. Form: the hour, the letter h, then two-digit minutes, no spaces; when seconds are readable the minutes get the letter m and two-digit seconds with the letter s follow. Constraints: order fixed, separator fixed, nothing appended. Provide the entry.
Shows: 4h32
